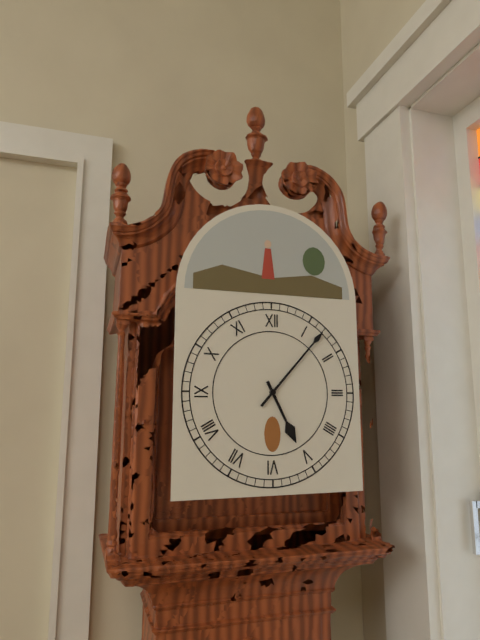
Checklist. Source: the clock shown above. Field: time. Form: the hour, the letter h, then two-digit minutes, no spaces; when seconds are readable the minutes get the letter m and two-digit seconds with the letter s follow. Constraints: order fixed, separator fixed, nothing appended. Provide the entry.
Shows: 5h07
